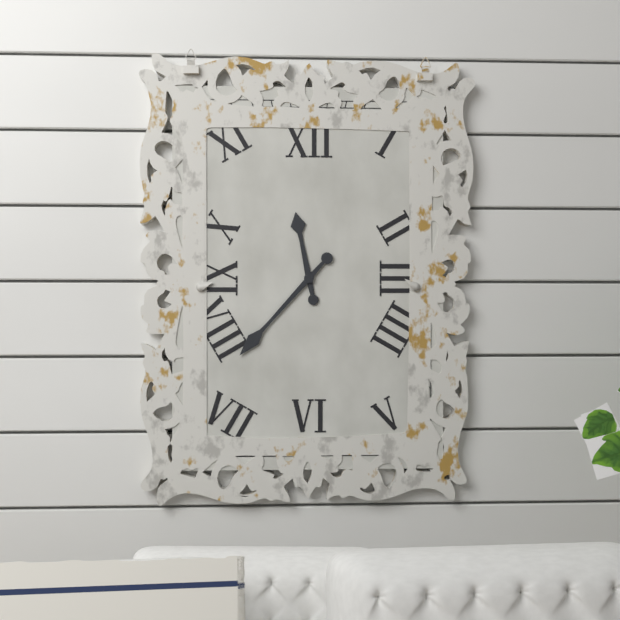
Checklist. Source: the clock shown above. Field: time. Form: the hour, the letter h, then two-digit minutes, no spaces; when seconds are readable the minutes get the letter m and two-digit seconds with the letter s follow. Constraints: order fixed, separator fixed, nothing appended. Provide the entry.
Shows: 11h37
